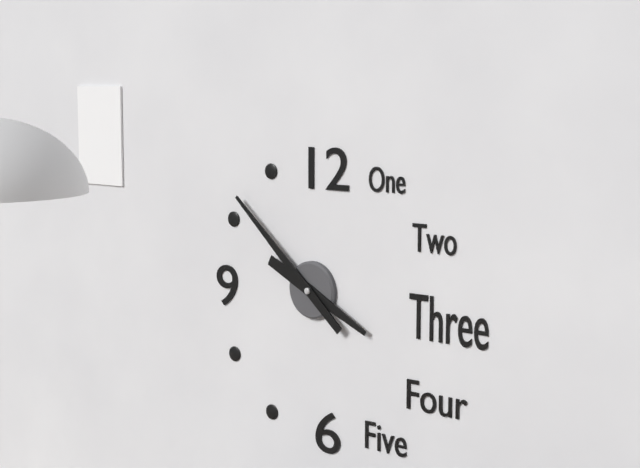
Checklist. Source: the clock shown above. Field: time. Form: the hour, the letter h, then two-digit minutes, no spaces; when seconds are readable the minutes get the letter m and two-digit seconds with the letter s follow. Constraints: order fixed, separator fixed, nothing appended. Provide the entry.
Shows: 3h52
